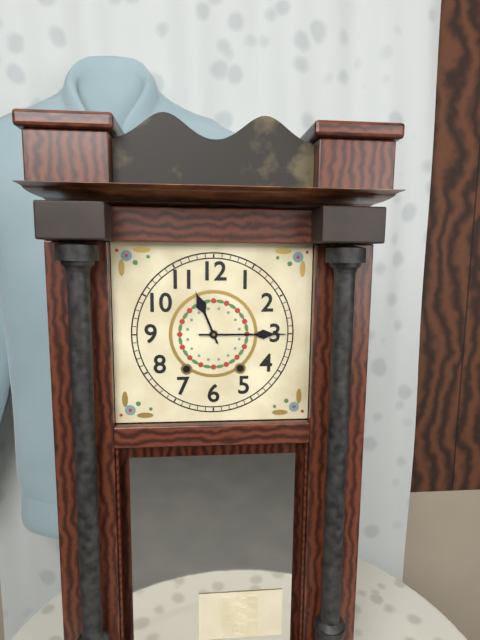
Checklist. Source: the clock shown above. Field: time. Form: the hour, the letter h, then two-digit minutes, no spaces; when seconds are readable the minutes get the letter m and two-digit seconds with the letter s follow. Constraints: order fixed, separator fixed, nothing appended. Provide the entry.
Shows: 11h15
